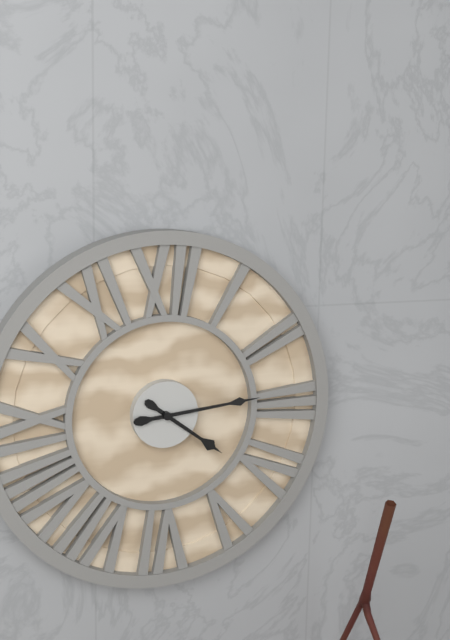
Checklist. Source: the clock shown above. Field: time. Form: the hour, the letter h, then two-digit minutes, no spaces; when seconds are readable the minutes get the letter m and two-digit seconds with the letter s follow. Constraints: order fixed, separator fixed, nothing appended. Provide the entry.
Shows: 4h14
